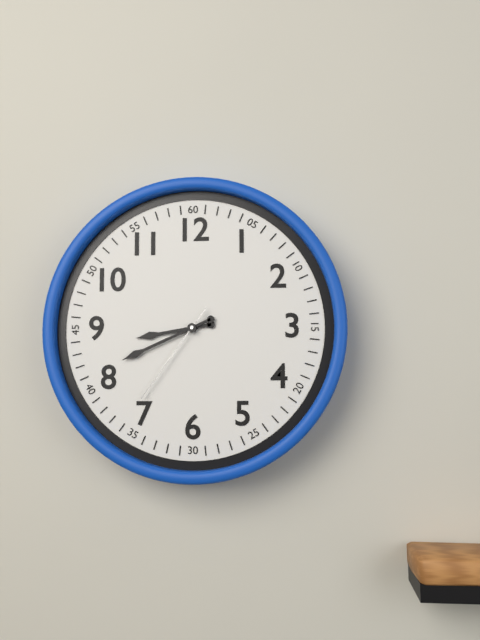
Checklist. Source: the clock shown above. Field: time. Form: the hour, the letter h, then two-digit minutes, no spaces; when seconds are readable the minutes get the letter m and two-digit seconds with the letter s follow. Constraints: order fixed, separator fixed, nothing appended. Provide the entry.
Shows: 8h41m36s
